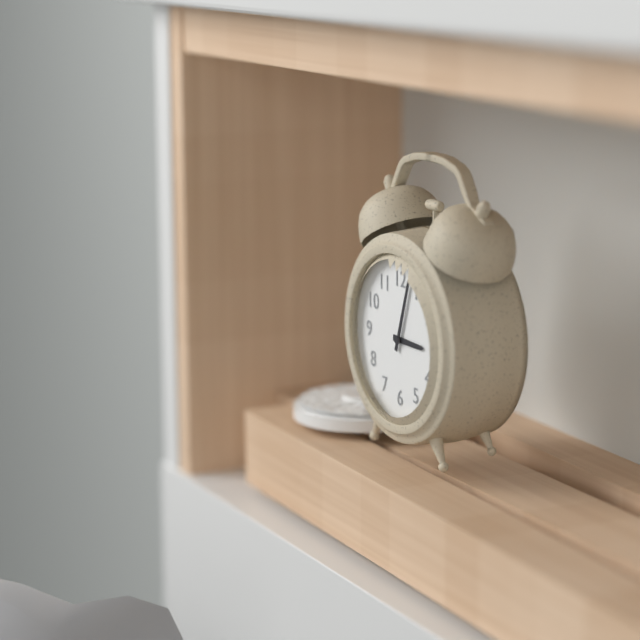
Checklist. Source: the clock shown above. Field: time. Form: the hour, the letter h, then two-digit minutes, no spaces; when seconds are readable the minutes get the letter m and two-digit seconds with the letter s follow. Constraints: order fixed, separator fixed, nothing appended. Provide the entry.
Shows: 3h03
